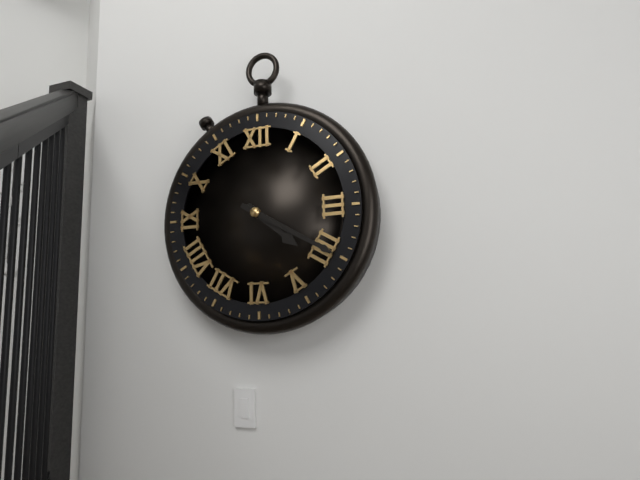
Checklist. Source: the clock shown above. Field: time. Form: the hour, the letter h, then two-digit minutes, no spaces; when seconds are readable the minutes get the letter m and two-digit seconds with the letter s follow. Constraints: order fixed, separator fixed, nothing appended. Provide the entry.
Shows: 4h20
